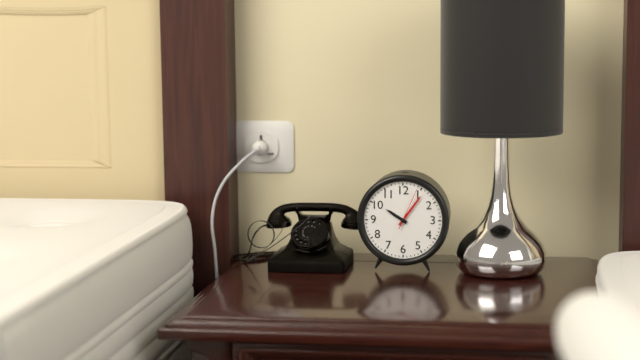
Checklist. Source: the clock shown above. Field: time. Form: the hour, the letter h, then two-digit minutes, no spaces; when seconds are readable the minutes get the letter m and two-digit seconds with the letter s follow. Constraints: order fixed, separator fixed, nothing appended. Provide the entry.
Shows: 10h06
